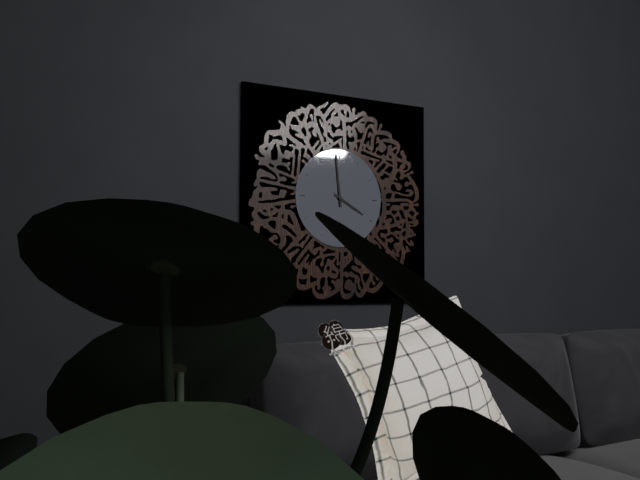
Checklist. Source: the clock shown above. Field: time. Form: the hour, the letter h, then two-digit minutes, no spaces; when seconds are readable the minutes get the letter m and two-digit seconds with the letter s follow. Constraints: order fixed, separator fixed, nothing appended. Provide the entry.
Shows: 3h59
